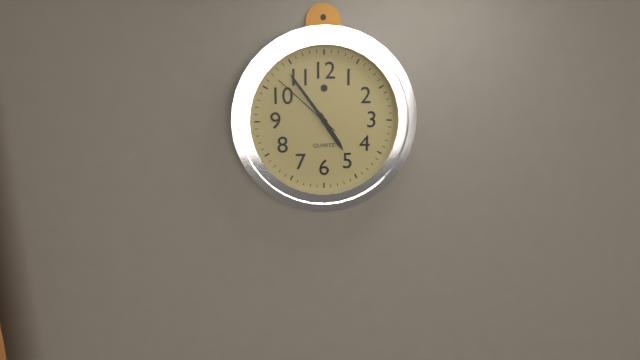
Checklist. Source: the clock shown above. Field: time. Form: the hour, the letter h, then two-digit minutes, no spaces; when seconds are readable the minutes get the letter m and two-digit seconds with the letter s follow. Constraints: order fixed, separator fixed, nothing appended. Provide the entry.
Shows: 4h54m52s
